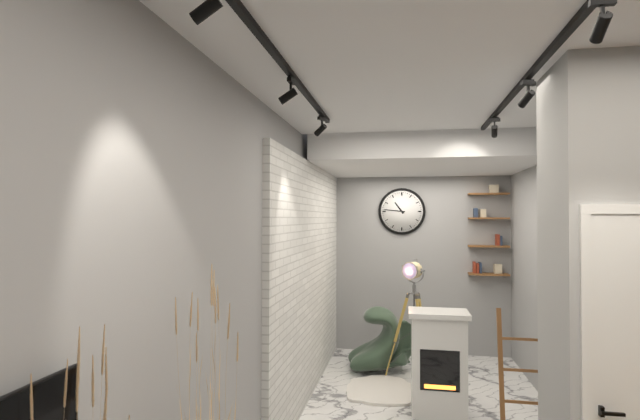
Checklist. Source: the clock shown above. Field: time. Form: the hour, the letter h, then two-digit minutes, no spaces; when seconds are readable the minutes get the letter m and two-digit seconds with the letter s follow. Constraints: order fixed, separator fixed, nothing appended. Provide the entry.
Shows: 10h46
